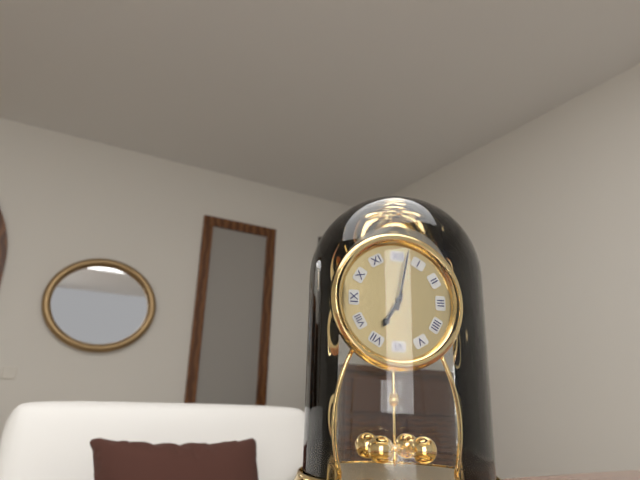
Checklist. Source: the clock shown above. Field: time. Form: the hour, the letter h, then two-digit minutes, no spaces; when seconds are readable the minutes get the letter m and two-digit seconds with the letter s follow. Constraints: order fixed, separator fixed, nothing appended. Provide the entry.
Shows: 7h02
